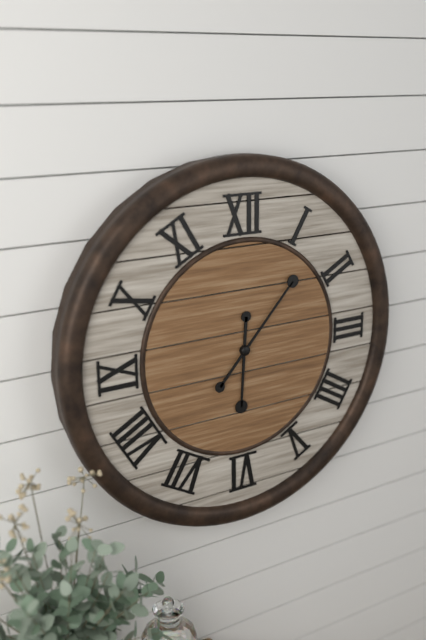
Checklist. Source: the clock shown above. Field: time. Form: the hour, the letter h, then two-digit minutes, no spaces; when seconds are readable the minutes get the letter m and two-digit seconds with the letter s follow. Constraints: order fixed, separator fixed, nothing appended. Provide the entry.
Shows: 6h07
